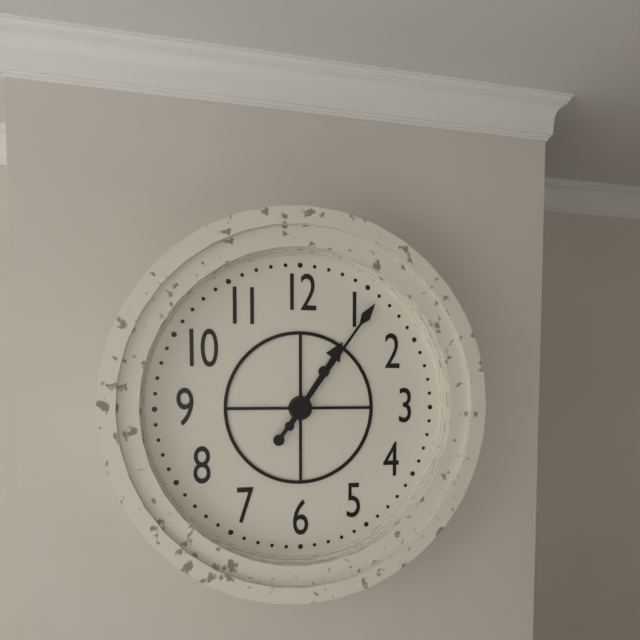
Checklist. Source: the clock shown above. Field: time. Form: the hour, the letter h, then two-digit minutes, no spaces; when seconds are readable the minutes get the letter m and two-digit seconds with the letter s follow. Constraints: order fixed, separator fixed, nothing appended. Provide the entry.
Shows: 1h06
